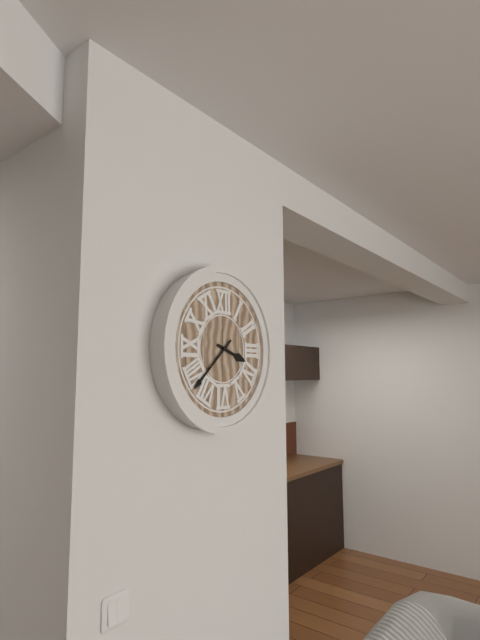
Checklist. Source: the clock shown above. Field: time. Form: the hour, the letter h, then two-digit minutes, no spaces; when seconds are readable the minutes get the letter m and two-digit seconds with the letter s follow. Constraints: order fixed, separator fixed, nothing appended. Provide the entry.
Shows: 3h38
